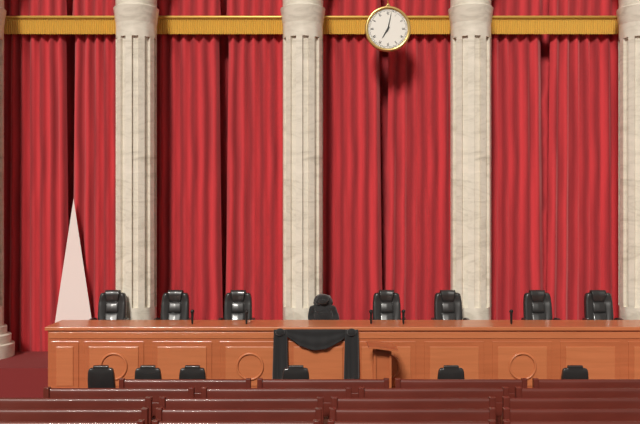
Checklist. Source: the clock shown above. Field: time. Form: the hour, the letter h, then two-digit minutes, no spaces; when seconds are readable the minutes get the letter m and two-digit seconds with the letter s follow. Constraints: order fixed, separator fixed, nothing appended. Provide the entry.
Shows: 7h02
